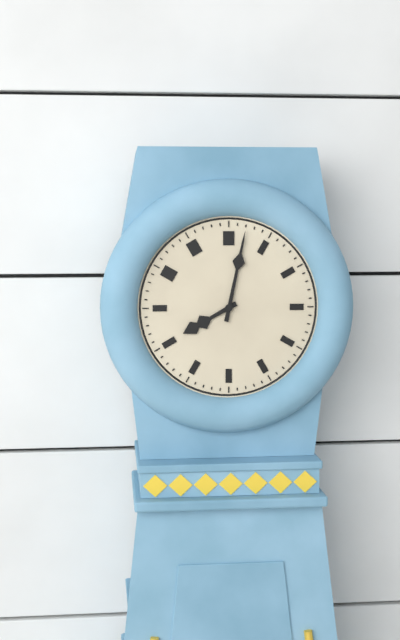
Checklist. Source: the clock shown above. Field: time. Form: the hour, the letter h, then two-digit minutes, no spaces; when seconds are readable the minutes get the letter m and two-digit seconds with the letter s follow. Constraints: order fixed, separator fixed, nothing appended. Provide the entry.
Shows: 8h02
